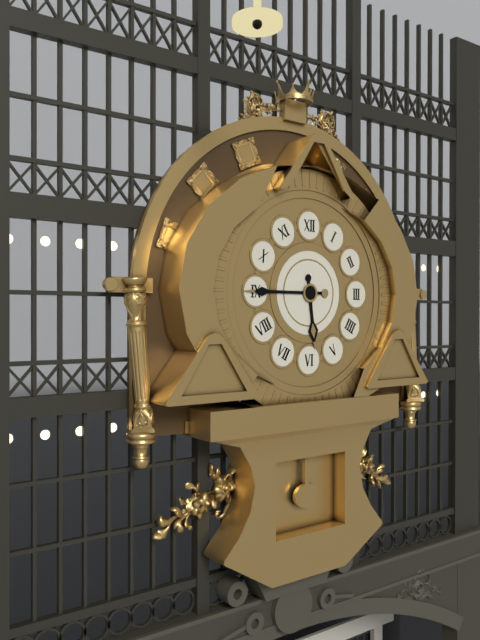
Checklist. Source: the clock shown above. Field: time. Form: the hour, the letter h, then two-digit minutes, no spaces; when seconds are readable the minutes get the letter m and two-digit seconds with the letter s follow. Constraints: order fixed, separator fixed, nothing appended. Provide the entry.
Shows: 5h45
